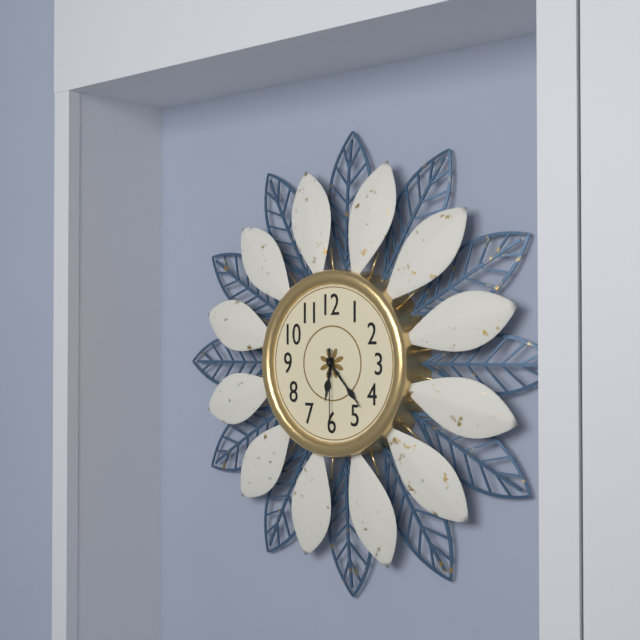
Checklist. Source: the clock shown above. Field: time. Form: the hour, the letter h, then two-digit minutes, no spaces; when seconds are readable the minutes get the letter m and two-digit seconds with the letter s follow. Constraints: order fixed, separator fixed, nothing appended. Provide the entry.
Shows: 6h23m30s
